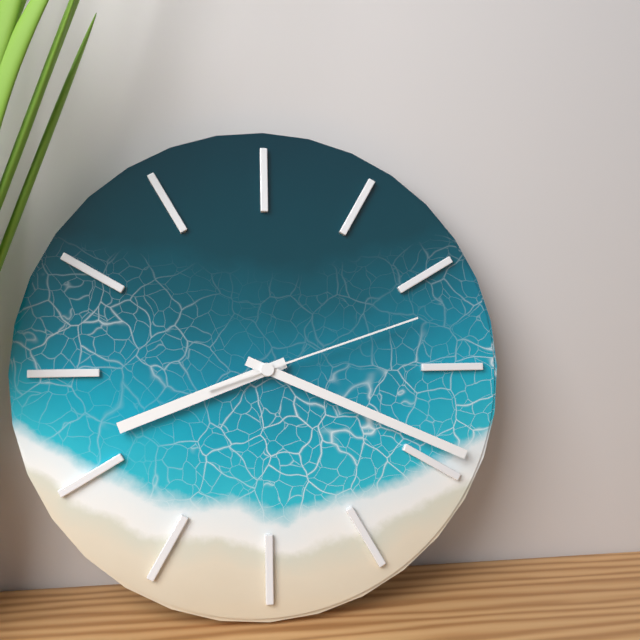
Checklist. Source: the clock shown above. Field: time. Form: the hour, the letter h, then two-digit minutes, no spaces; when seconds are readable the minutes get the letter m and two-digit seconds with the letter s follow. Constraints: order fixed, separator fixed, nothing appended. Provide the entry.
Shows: 8h19m12s
